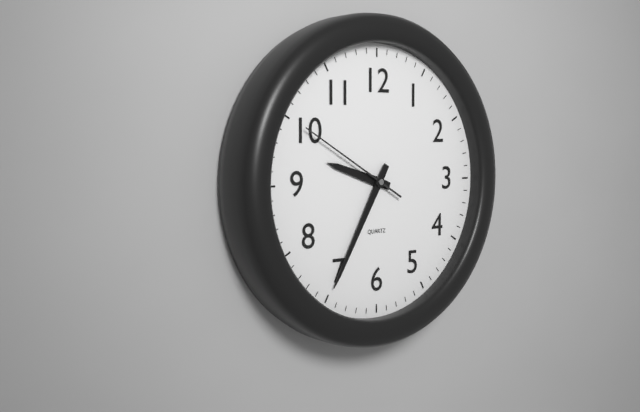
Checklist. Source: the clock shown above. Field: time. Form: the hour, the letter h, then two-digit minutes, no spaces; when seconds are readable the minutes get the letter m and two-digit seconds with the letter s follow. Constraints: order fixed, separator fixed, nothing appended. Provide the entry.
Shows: 9h35m50s
